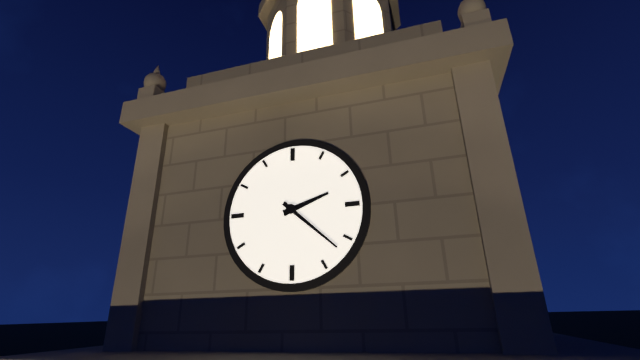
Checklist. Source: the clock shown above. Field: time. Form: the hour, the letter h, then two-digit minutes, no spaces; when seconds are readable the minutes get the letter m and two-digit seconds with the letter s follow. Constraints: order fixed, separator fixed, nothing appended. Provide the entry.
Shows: 2h22
